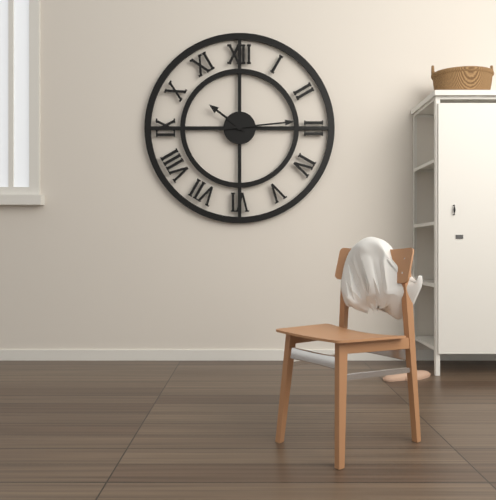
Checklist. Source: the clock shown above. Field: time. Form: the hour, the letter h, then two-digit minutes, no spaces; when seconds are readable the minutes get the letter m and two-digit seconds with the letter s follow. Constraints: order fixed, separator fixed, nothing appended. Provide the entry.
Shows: 10h14
